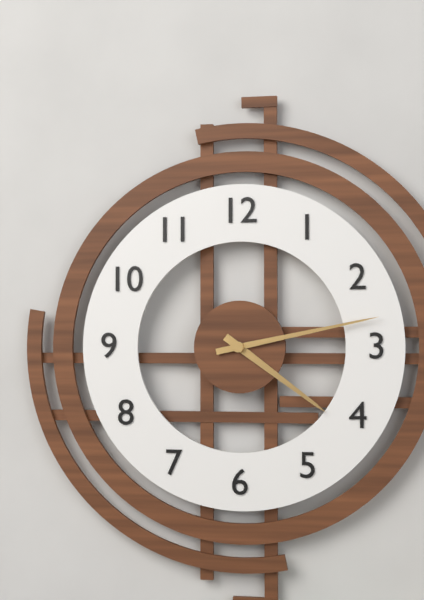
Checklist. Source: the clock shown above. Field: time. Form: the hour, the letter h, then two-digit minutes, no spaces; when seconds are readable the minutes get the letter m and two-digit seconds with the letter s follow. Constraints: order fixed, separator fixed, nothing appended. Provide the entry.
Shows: 4h13
